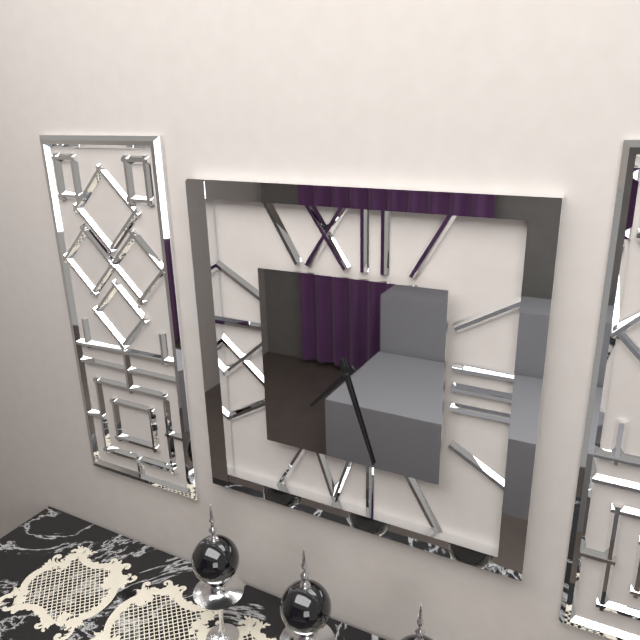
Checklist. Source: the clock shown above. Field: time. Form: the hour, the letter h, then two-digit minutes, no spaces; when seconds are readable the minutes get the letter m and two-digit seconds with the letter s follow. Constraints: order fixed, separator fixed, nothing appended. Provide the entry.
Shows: 7h27
